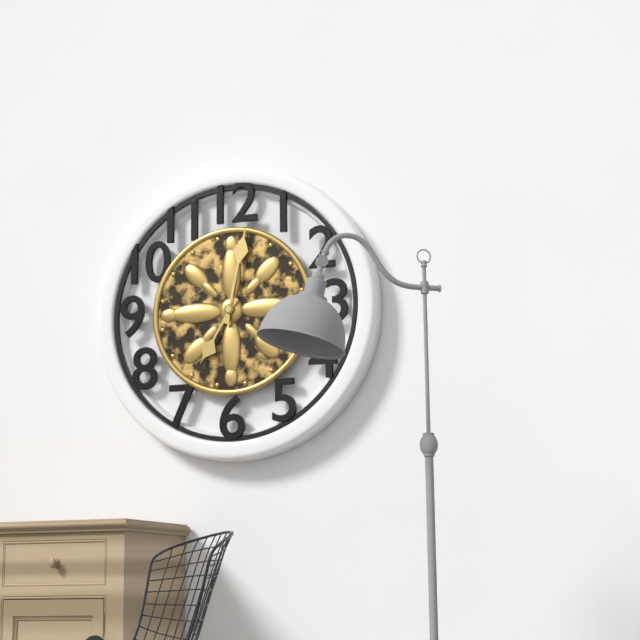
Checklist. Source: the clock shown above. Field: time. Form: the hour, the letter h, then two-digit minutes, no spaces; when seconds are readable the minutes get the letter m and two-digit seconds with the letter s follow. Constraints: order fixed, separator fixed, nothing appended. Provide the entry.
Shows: 7h02
